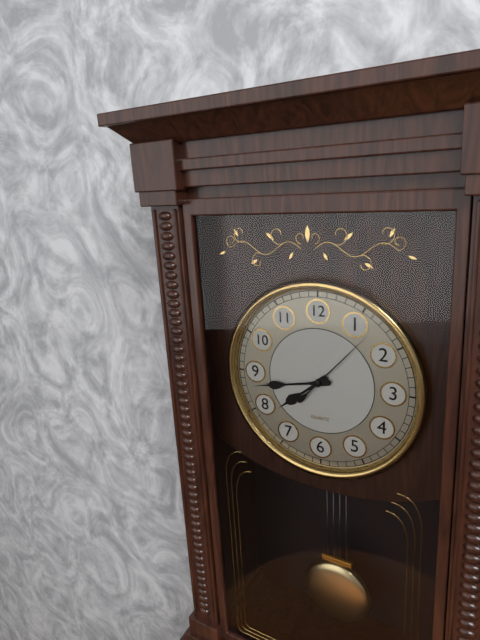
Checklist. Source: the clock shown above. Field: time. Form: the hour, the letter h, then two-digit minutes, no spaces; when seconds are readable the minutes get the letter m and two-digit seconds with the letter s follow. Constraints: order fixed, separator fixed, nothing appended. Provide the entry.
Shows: 7h43m07s
